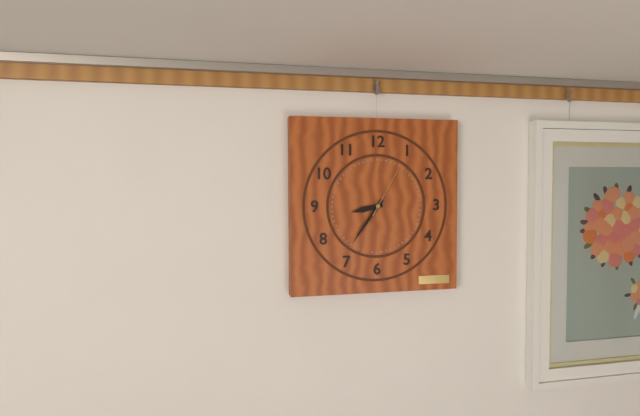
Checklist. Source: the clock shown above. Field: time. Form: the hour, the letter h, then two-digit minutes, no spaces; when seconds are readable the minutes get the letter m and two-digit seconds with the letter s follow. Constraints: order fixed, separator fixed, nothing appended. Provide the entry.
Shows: 8h36m05s
